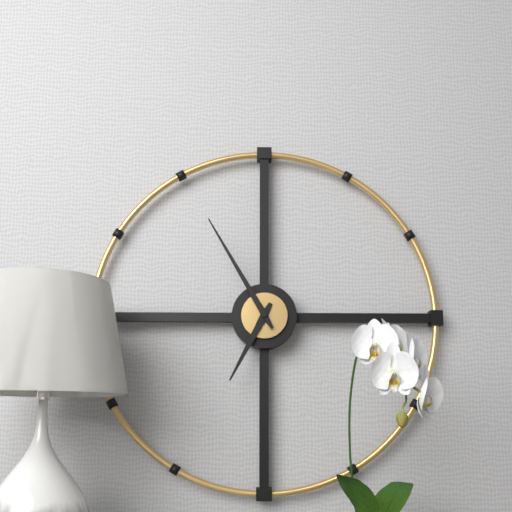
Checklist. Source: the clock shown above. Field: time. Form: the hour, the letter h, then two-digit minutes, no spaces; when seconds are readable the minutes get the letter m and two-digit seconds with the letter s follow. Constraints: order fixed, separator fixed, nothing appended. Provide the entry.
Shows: 6h55
